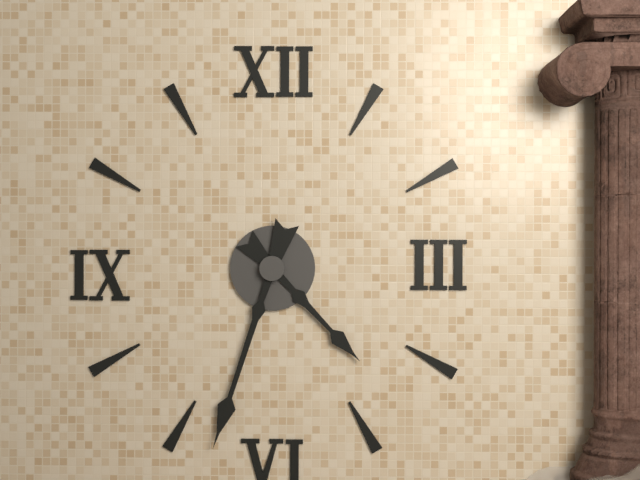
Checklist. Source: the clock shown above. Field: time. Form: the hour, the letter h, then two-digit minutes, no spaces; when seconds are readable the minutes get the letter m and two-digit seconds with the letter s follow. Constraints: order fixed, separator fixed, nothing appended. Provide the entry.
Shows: 4h33
